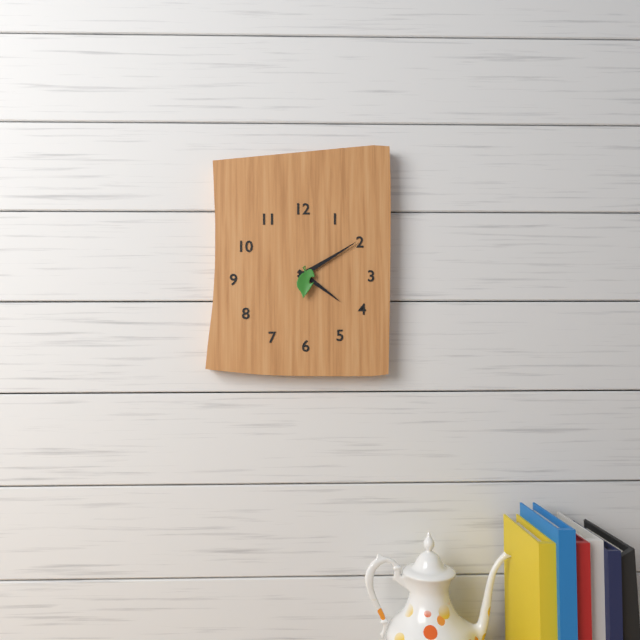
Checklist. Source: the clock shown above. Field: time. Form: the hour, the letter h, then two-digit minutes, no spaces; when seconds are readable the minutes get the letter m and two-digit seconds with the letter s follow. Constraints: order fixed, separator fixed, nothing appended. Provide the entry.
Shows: 4h10
